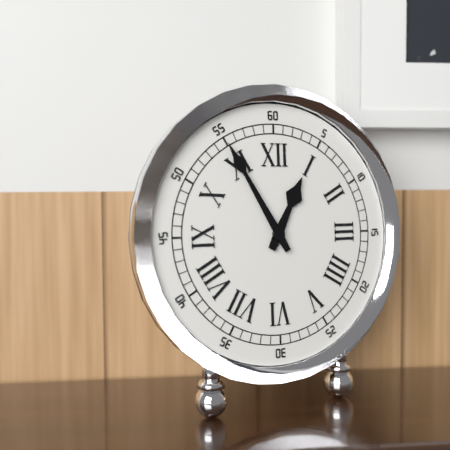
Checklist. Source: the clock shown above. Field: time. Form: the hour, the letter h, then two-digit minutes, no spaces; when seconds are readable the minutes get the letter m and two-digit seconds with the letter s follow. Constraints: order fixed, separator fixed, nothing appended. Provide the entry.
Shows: 12h55
